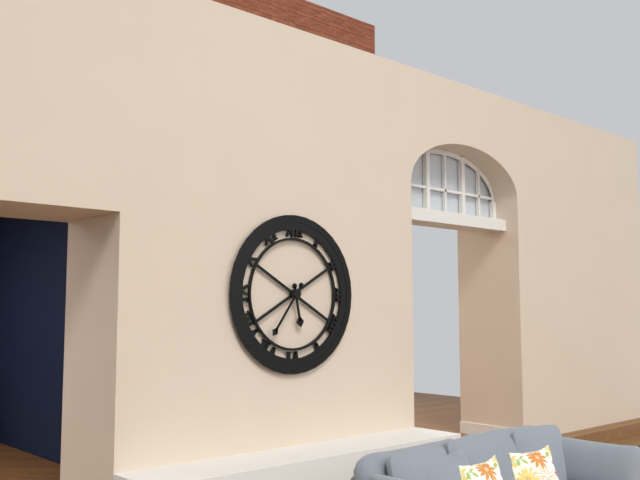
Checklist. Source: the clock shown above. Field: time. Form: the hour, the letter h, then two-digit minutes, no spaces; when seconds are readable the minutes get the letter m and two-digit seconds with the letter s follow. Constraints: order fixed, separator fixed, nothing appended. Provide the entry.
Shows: 5h36
